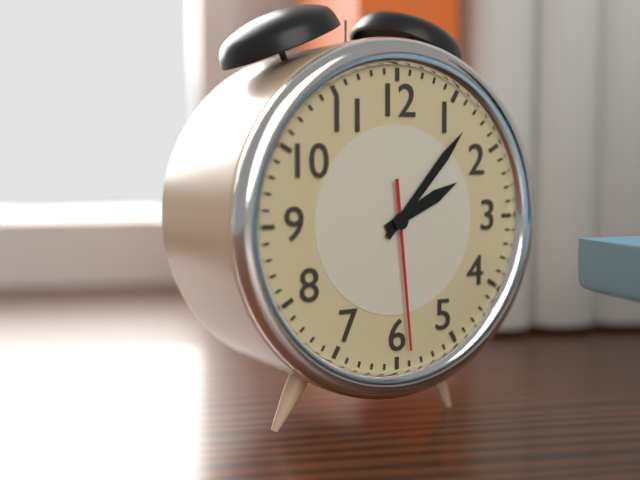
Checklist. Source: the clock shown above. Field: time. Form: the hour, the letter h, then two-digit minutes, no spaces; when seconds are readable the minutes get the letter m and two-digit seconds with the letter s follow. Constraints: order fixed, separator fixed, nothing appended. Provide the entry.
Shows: 2h07m29s
